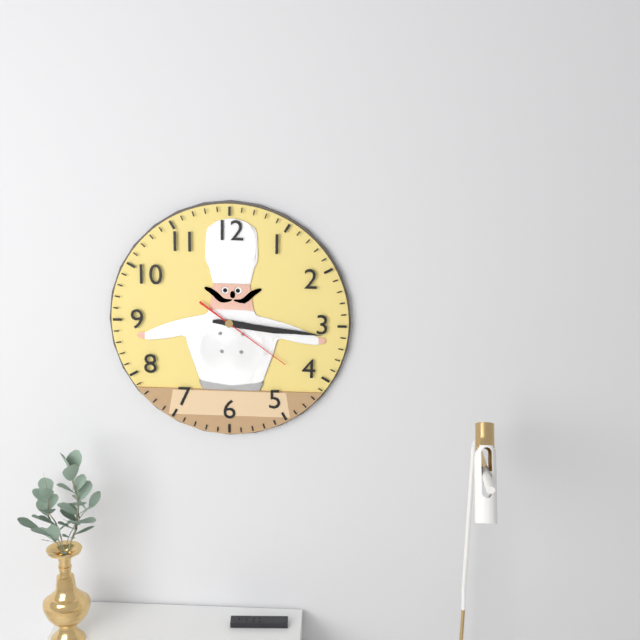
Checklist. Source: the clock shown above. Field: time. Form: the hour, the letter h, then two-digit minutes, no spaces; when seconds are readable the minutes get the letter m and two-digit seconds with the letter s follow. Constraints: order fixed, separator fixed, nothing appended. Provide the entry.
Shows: 3h16m21s
